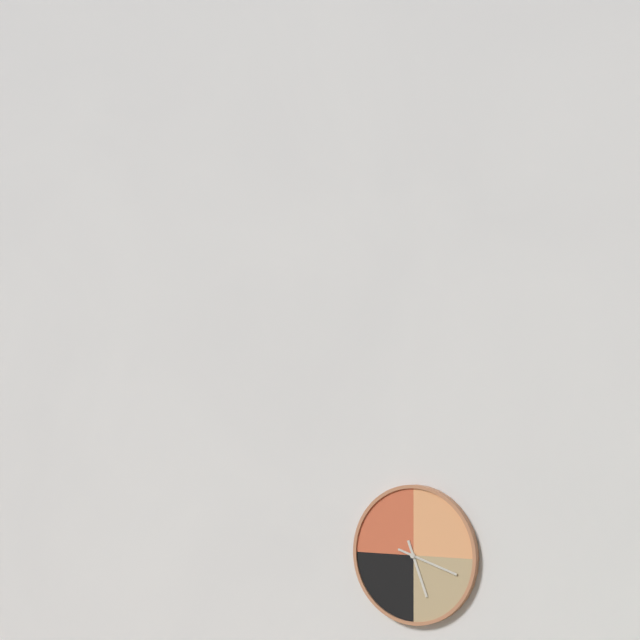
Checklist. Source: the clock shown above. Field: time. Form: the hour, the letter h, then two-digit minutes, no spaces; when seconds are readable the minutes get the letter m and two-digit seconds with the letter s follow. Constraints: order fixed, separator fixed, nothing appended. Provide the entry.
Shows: 5h18
